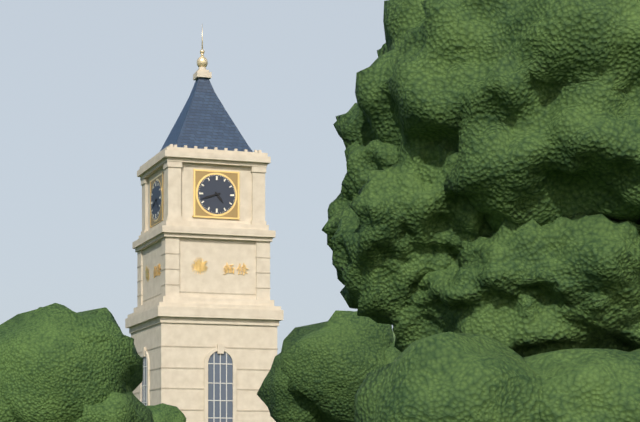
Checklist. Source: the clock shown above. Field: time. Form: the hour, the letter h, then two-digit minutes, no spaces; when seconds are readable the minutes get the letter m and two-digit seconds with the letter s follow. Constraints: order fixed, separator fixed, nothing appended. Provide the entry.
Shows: 4h42
